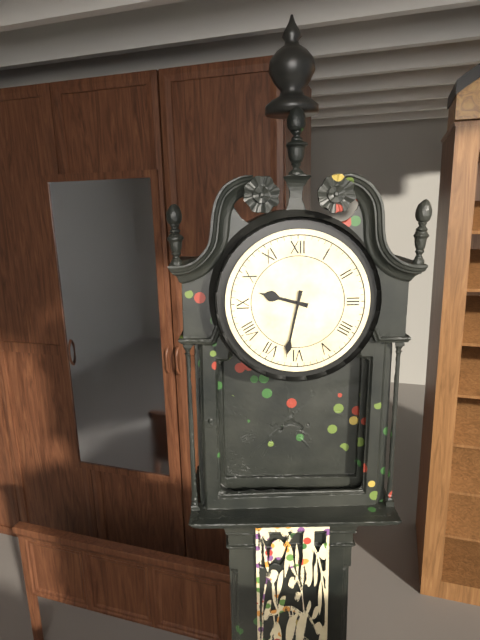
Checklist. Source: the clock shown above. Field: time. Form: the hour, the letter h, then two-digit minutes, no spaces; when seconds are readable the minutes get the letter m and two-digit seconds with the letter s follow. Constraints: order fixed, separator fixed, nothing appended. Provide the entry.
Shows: 9h32
